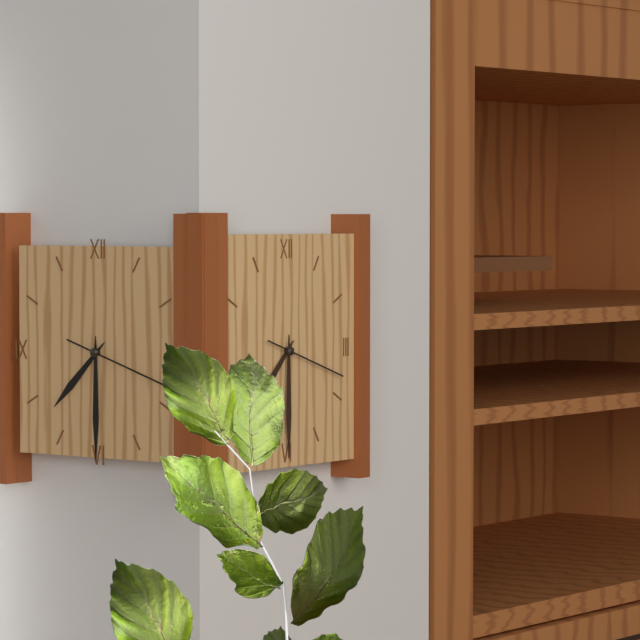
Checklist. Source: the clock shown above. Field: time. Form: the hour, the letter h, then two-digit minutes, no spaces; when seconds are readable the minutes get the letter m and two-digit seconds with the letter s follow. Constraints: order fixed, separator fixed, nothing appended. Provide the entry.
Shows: 7h30m18s
